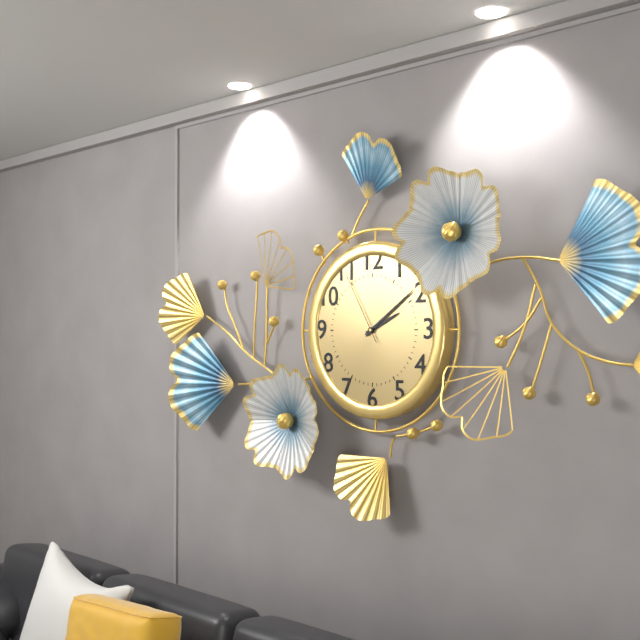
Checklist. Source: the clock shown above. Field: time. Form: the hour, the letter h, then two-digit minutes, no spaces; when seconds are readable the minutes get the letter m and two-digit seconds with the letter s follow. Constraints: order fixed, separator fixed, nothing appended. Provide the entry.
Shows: 2h09m55s
